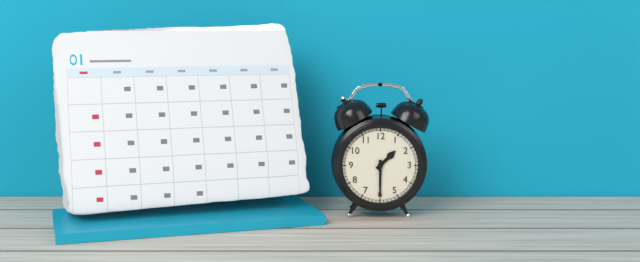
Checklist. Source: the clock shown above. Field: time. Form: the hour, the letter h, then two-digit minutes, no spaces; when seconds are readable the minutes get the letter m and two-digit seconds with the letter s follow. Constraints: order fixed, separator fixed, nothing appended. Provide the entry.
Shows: 1h30
